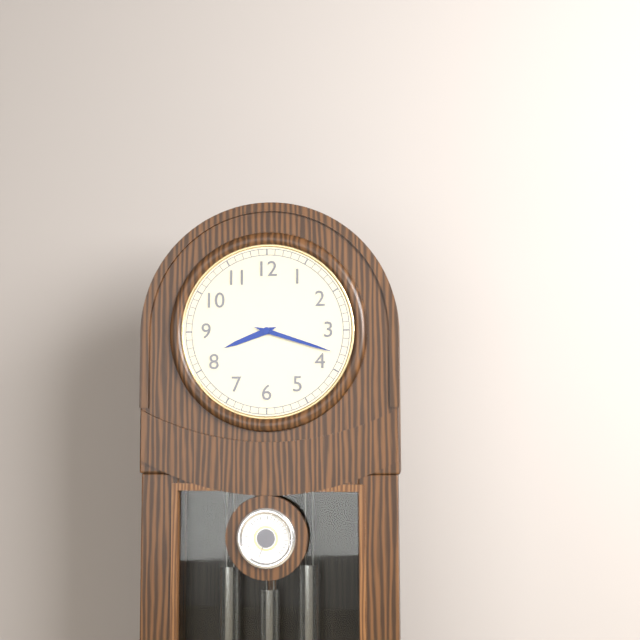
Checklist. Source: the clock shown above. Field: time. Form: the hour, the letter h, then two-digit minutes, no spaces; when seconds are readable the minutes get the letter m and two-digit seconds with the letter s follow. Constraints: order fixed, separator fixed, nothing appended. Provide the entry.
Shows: 8h18
